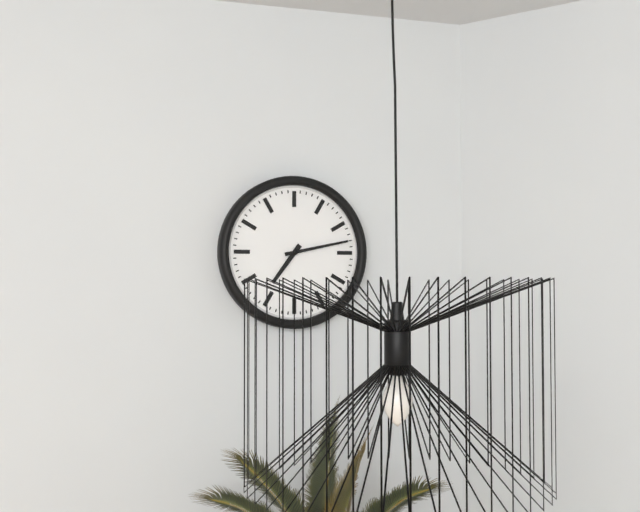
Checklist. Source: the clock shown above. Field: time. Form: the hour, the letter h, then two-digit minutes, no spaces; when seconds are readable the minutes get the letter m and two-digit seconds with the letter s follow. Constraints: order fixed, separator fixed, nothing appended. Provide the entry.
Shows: 7h13
